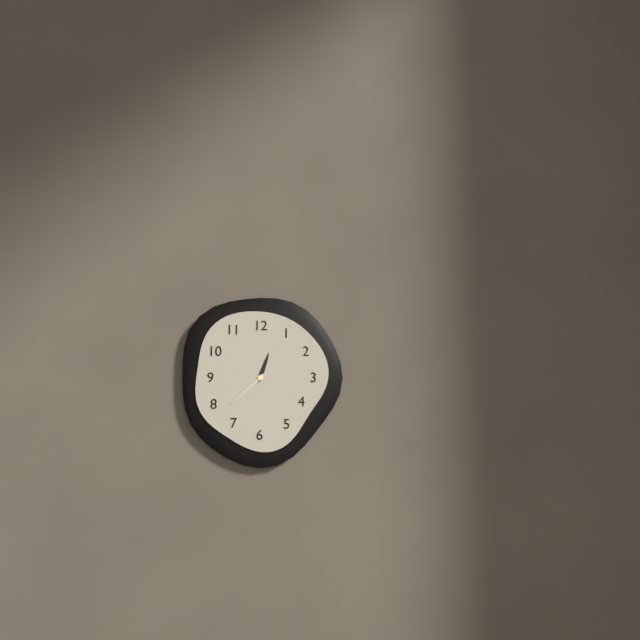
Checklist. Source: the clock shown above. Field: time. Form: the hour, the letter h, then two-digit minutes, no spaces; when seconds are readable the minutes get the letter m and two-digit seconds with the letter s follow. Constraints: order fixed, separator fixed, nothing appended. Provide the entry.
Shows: 12h38
